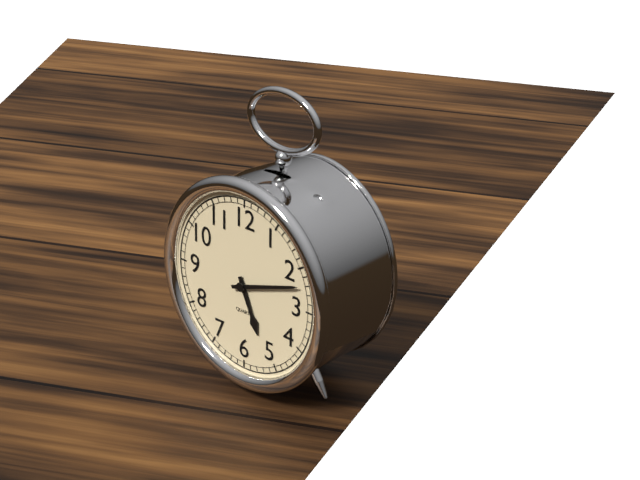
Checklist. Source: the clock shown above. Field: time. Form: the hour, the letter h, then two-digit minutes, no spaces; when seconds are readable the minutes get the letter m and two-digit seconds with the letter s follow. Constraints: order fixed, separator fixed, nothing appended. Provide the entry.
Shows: 5h12
